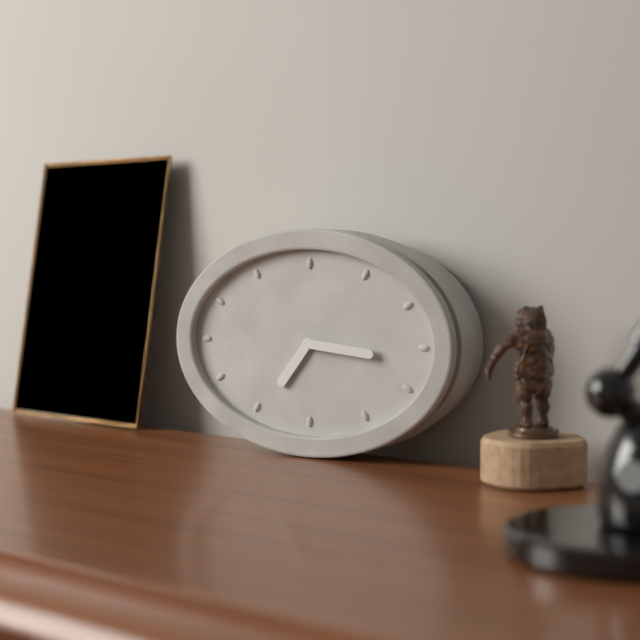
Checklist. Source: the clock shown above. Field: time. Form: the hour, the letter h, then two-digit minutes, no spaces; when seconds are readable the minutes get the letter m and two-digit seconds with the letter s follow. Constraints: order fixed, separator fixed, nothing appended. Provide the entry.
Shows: 7h16
